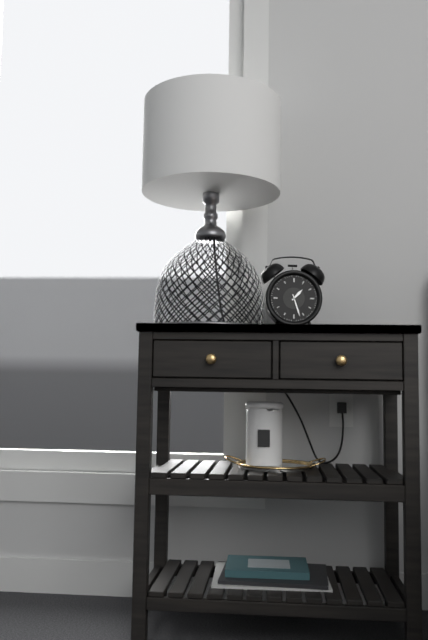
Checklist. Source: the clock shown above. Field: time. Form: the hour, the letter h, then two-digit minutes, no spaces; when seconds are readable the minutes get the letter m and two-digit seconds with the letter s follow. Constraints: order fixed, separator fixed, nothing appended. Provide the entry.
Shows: 1h27
